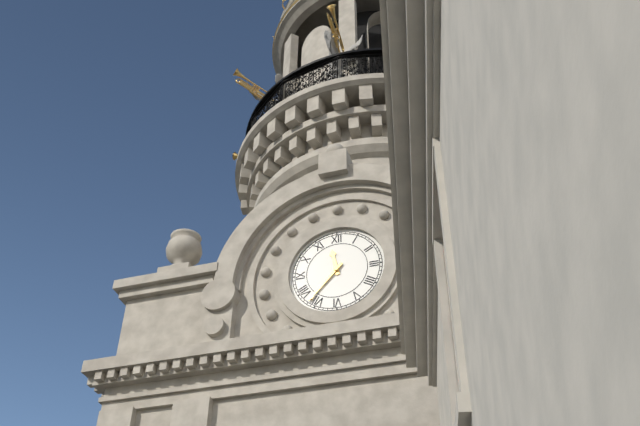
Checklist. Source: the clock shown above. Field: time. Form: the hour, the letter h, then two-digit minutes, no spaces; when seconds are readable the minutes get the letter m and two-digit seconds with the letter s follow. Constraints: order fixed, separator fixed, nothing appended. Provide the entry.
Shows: 11h37
